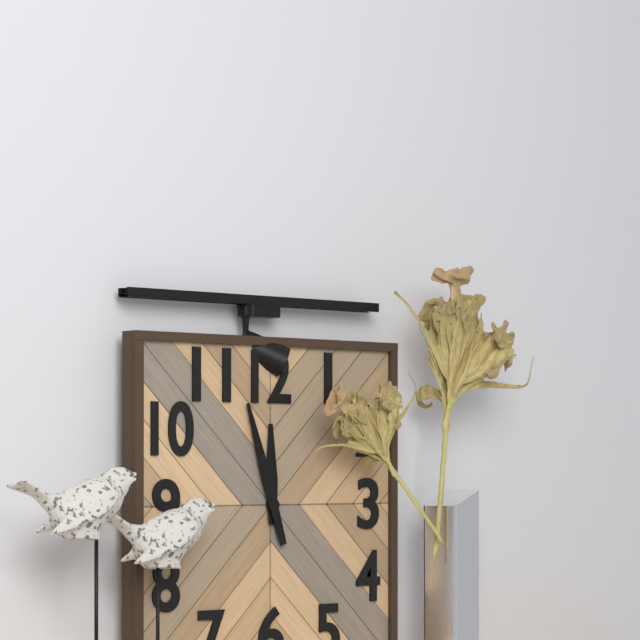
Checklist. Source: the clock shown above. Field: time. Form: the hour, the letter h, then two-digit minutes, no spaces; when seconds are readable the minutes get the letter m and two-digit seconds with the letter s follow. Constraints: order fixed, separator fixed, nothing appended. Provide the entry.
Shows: 11h57
